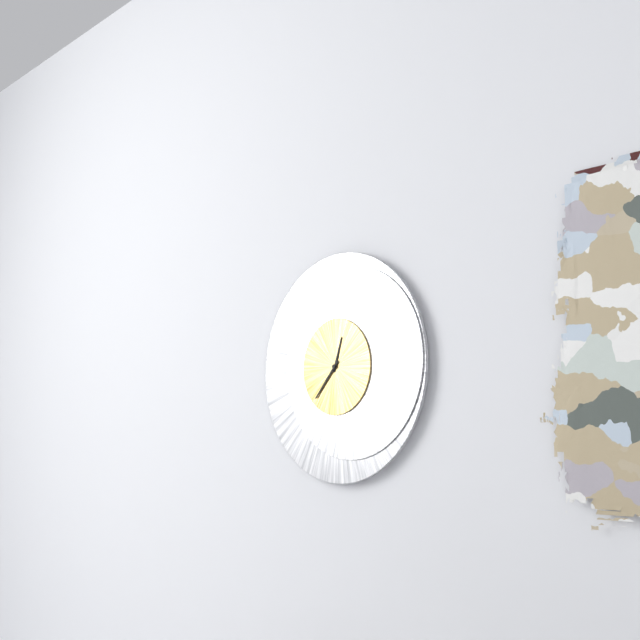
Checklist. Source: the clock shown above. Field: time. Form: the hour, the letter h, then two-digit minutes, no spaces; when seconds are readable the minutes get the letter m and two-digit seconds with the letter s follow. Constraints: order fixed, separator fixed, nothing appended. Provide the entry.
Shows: 12h37
